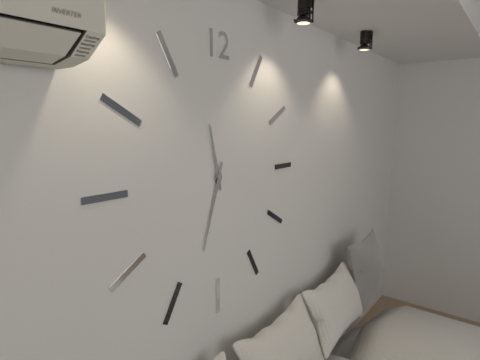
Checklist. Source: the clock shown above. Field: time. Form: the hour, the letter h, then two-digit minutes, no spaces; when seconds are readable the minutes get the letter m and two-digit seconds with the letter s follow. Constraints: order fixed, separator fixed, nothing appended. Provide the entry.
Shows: 11h33
